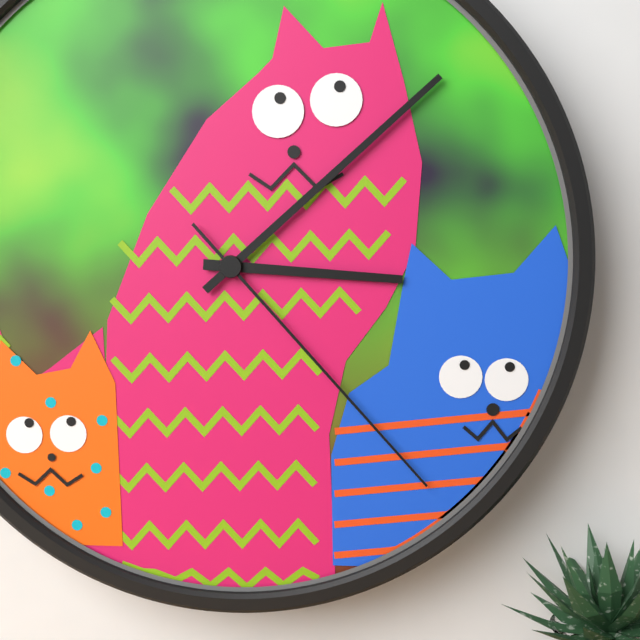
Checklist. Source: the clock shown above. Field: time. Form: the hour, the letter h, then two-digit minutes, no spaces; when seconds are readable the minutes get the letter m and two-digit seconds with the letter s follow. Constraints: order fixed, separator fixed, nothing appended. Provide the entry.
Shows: 3h08m23s
